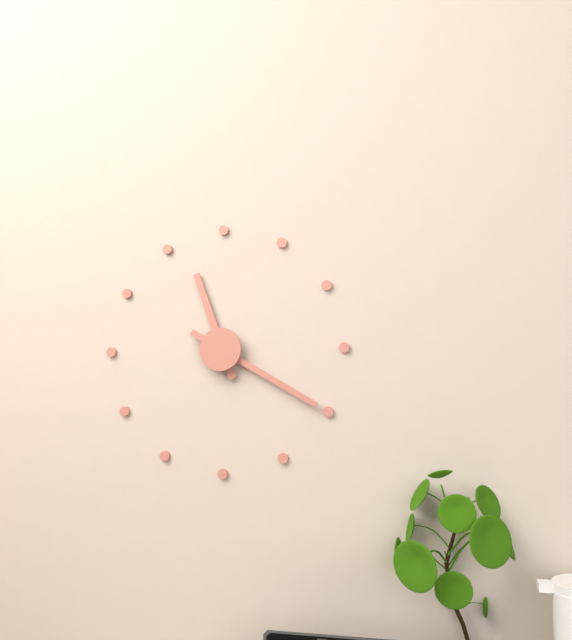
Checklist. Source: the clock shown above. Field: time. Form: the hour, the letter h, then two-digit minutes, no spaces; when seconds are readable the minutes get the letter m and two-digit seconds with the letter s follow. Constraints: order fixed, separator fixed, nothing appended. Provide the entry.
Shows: 11h20
